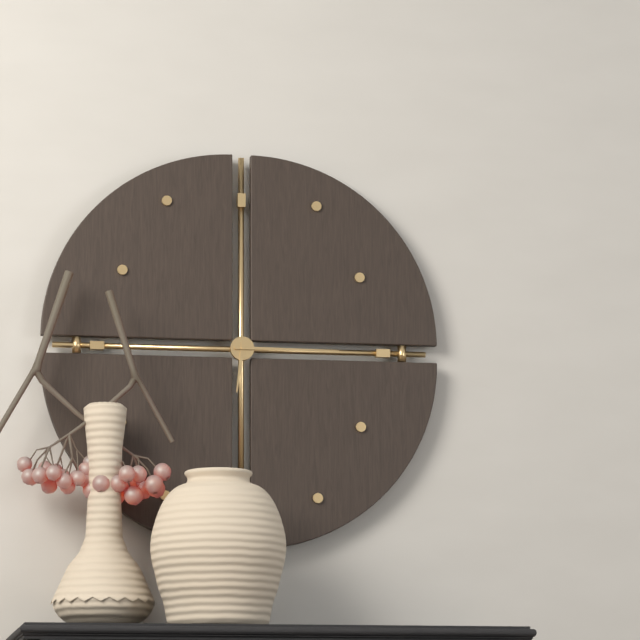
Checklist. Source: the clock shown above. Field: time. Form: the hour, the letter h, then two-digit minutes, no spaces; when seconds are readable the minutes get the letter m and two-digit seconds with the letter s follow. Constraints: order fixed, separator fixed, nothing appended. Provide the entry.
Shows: 6h15
